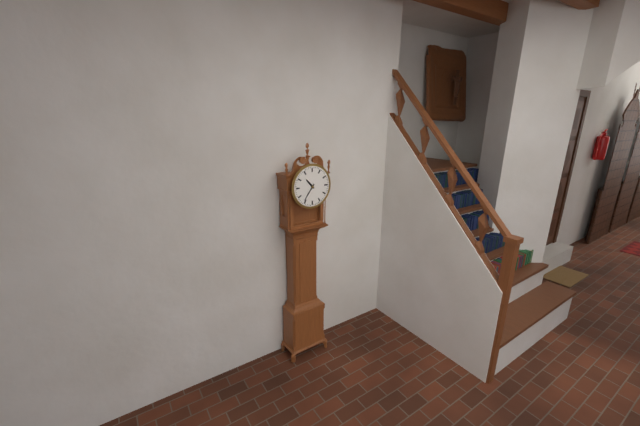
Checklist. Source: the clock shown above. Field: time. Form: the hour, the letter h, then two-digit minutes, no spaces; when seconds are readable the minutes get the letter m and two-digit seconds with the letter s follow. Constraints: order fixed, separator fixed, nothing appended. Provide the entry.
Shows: 10h36
